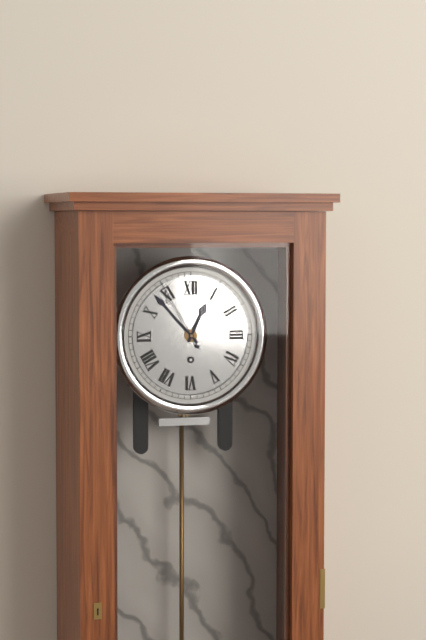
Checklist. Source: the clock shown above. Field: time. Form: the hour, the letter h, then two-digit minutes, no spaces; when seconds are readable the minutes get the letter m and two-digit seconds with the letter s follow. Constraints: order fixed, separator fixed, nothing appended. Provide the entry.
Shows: 12h53m55s
